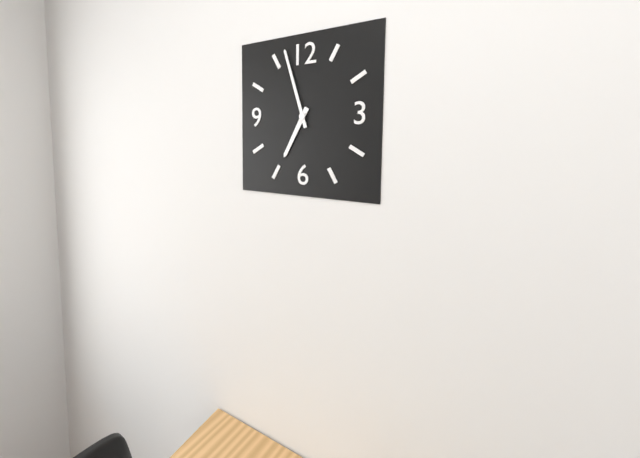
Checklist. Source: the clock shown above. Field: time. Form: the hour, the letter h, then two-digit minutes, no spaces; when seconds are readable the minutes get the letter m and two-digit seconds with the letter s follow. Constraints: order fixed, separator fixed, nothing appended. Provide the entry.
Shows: 6h57
